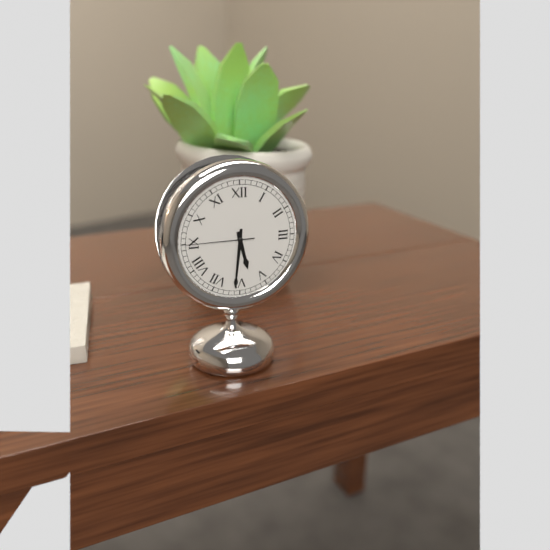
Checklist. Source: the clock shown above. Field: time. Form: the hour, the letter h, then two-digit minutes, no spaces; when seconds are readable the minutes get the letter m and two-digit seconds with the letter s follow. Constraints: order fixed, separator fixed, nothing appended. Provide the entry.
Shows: 5h31m45s
